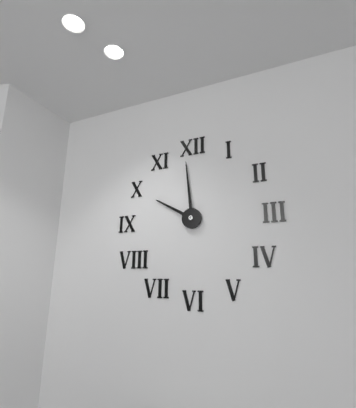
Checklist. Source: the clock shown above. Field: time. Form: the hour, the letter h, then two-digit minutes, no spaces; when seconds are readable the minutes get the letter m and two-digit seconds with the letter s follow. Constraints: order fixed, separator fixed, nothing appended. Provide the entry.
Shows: 9h59
